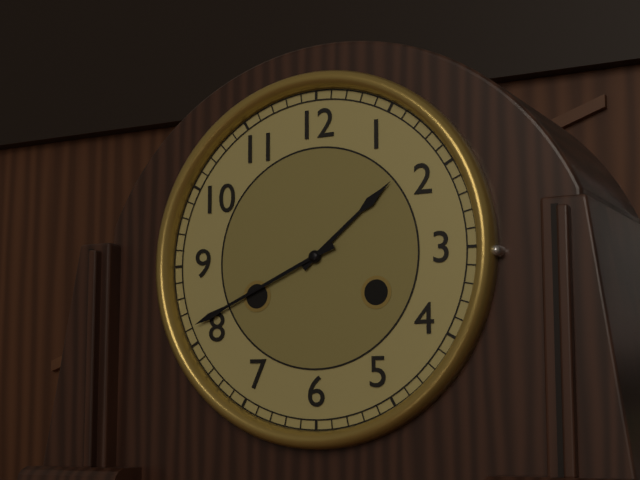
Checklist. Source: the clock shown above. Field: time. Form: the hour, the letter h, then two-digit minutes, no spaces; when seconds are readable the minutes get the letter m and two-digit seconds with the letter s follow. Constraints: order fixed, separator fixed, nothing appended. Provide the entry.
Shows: 1h41
